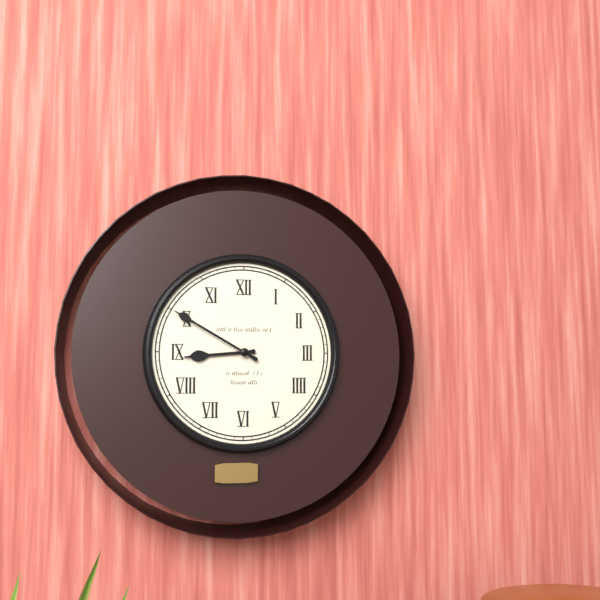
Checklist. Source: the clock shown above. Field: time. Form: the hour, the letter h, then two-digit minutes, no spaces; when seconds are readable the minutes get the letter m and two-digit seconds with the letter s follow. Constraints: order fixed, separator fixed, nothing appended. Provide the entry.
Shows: 8h50
